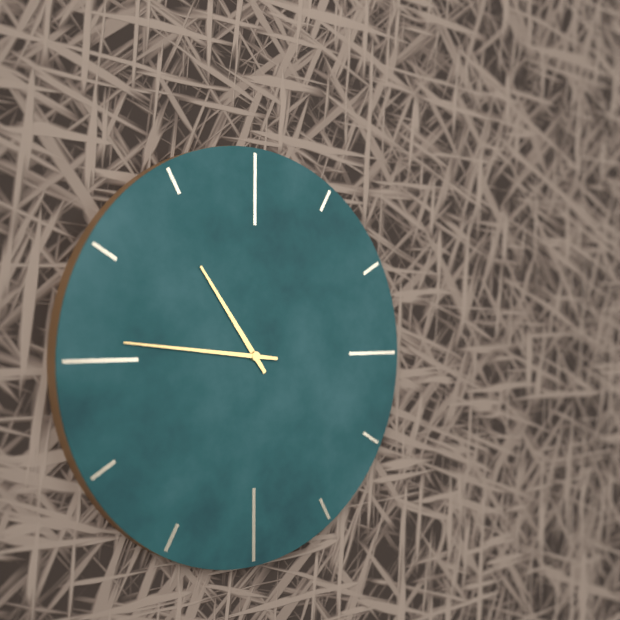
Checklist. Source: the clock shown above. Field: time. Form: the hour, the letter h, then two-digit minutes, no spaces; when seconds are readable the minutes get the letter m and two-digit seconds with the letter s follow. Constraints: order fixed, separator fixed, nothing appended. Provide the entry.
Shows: 10h46
